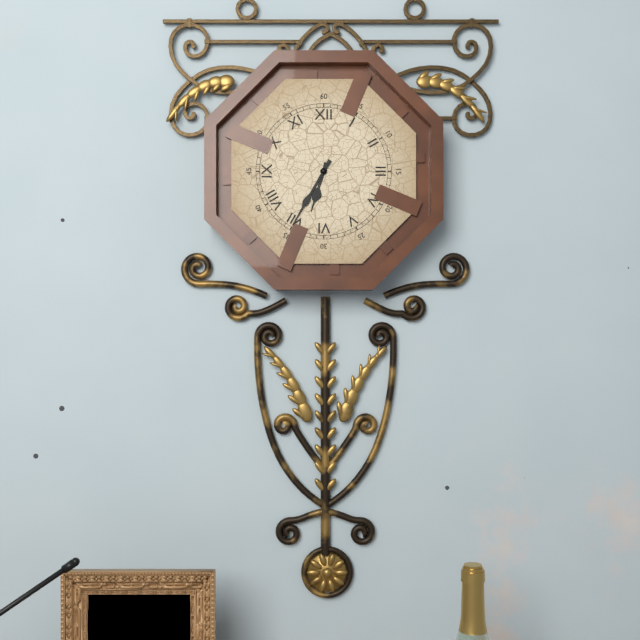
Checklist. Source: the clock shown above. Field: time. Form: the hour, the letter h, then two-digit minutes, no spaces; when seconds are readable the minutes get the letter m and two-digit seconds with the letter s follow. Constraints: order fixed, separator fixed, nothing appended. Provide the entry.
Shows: 6h35
